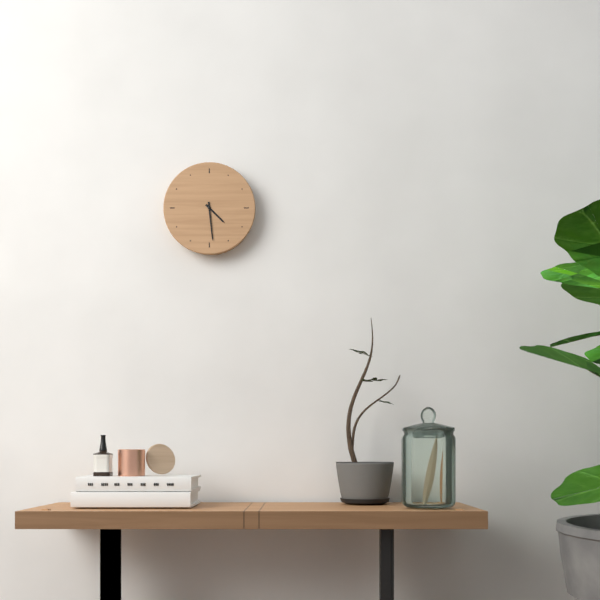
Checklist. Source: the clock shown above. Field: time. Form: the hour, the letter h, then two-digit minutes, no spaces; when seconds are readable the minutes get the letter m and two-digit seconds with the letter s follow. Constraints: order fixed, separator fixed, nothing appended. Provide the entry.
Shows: 4h29
